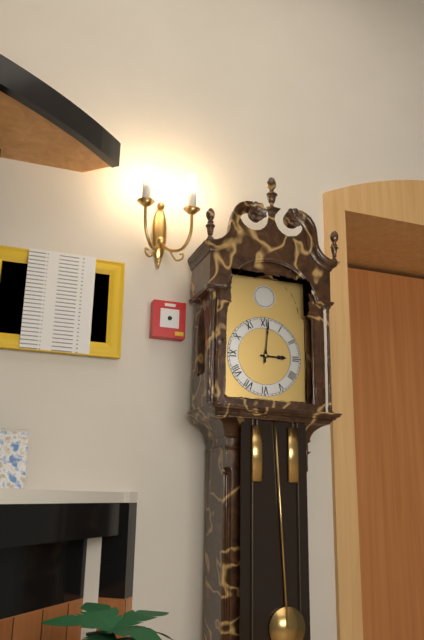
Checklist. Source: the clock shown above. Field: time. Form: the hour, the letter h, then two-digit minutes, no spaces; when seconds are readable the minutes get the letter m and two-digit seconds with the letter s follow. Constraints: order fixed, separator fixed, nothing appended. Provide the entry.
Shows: 3h01
